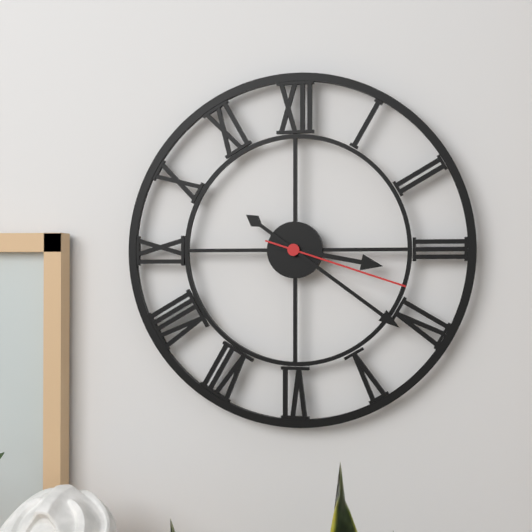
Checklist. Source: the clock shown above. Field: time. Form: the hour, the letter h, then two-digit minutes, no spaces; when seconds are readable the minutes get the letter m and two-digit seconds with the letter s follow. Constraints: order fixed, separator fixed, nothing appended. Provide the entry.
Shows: 3h21m18s
